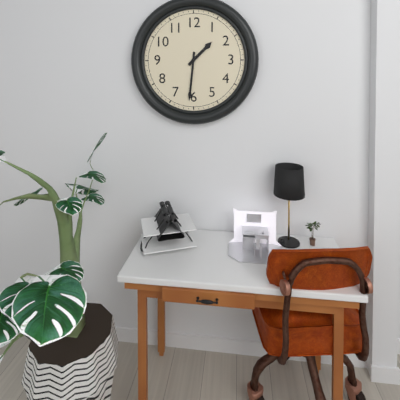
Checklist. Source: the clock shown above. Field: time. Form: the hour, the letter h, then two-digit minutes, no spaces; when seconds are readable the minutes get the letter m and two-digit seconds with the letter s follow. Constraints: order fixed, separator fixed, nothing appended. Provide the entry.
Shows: 1h31
